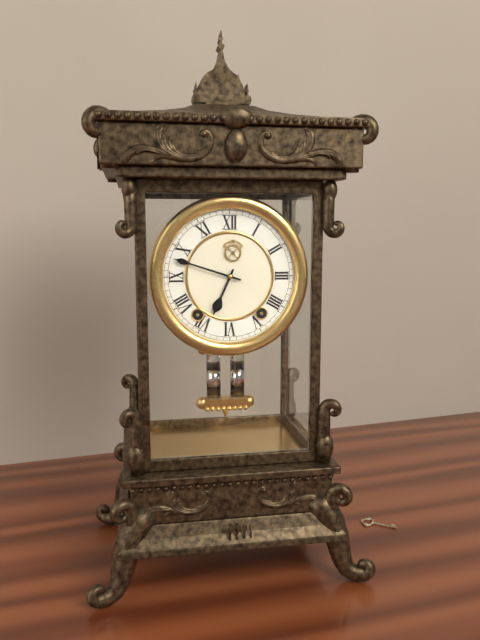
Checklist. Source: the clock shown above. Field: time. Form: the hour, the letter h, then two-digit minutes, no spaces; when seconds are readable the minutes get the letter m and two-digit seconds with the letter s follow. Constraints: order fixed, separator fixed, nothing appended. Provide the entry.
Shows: 6h48
